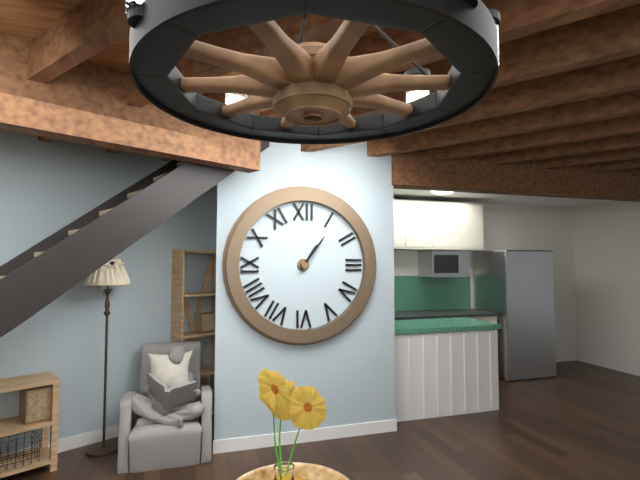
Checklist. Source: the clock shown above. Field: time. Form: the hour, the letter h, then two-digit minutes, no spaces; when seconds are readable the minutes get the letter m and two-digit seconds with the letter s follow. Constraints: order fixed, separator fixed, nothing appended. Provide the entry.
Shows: 1h06
